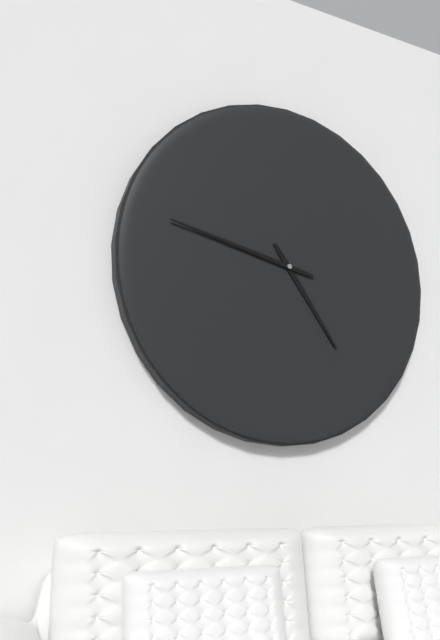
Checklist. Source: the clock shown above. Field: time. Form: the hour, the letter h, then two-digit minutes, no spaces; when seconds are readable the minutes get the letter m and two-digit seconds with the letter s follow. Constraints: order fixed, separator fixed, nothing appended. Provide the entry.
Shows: 4h47
